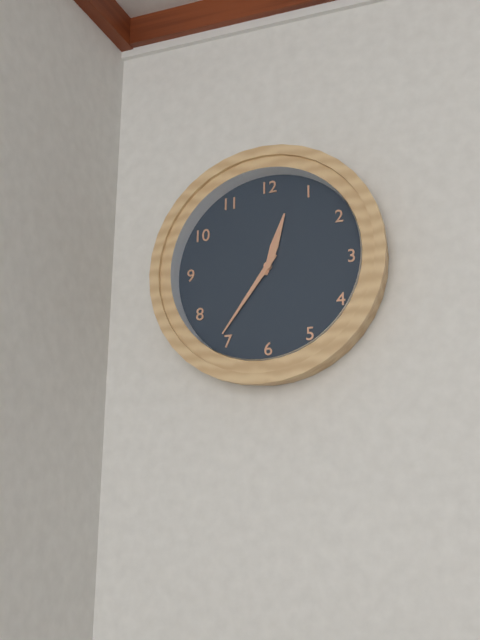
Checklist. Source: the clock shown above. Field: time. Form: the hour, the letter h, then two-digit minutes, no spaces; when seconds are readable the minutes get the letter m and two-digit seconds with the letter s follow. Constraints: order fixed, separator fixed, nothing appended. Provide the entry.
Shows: 12h36
